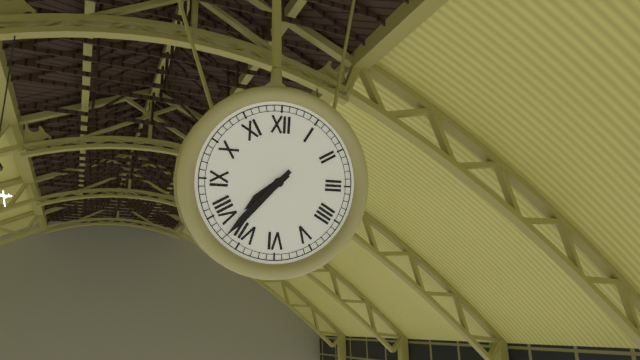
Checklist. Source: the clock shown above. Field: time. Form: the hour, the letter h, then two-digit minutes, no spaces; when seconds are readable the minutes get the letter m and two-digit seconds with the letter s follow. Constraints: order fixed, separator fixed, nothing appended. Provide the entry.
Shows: 7h37
